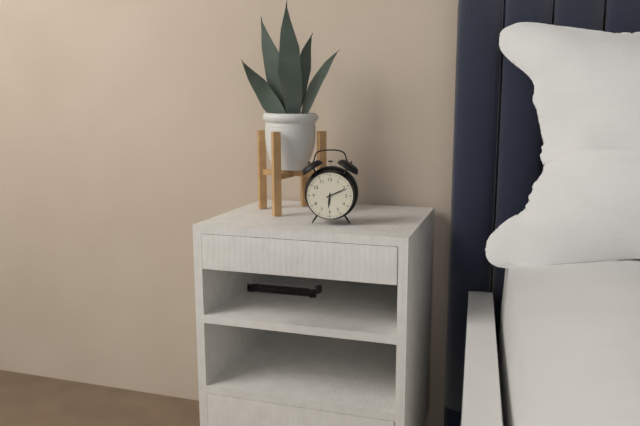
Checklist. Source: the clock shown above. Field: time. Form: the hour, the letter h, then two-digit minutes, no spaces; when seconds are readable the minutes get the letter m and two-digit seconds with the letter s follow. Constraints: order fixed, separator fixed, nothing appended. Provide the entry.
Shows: 6h11
